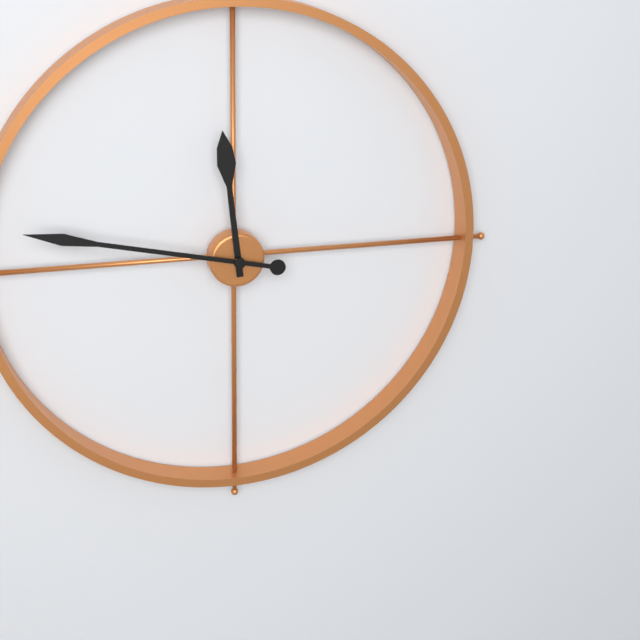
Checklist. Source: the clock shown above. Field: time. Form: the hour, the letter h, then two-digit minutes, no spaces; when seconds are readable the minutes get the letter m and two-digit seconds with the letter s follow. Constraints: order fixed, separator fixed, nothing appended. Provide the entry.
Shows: 11h47
